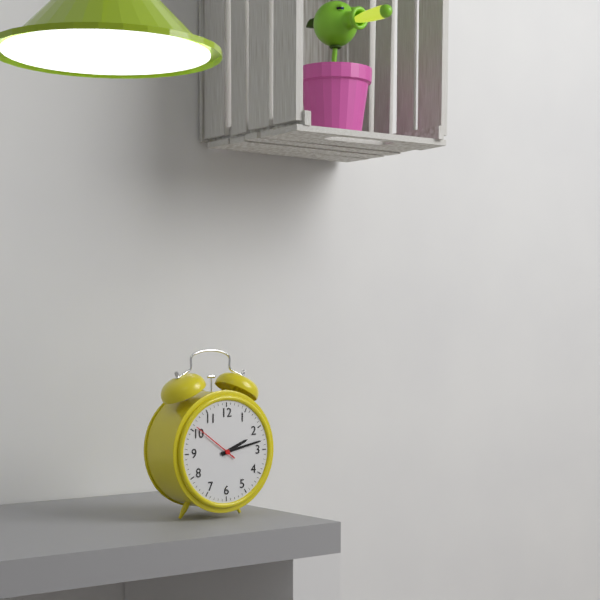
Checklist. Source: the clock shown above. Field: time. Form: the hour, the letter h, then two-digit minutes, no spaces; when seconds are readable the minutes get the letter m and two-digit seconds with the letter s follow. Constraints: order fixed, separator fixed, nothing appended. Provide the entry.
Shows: 2h13m51s
